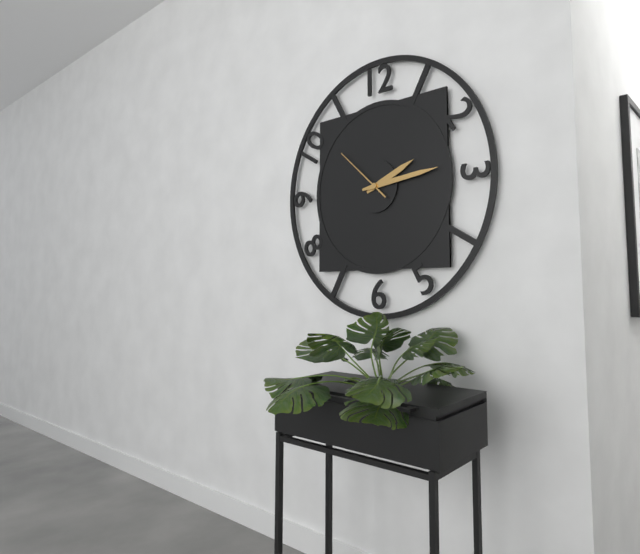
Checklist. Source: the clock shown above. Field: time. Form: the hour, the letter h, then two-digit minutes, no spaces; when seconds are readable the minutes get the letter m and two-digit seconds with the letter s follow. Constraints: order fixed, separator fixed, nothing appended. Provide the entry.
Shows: 2h14m52s
